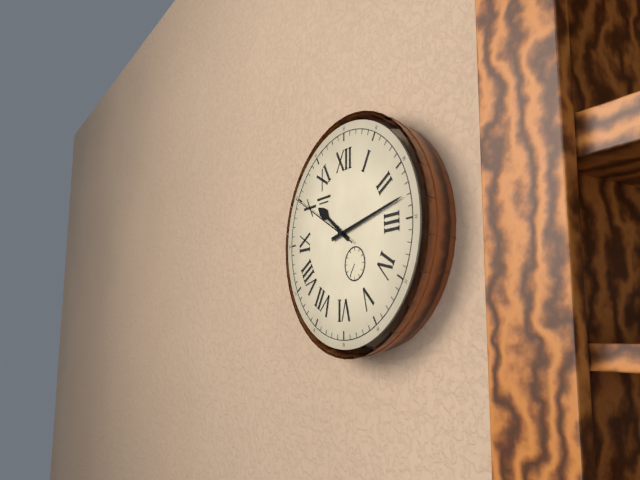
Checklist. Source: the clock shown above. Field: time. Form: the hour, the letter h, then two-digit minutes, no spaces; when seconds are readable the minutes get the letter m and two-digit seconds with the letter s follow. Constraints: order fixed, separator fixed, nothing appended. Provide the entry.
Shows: 10h13m50s
